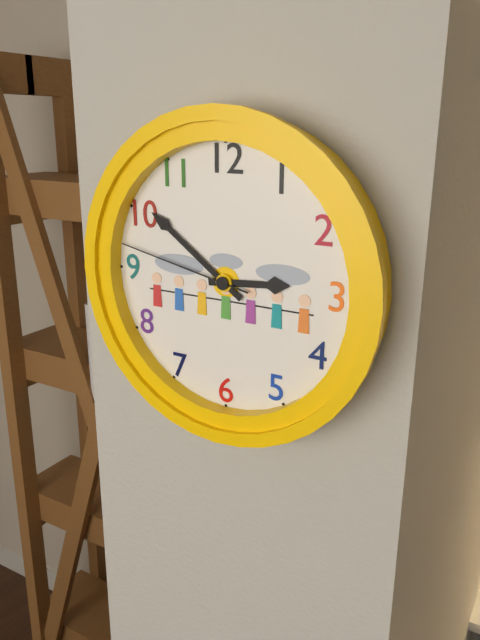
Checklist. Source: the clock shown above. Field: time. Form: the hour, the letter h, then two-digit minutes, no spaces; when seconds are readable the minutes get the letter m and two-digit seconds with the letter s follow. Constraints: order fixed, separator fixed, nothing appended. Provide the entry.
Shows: 2h51m47s
